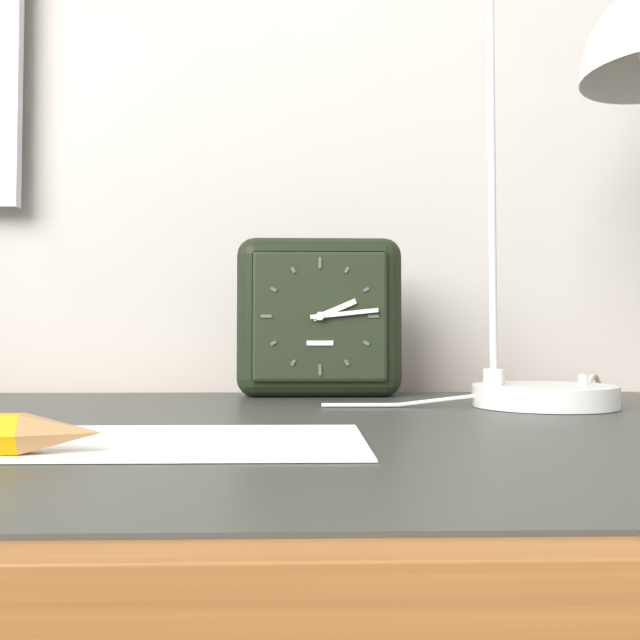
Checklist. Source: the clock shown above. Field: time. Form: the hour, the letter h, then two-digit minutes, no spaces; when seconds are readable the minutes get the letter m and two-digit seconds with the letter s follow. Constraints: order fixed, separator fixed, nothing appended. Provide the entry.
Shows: 2h14
